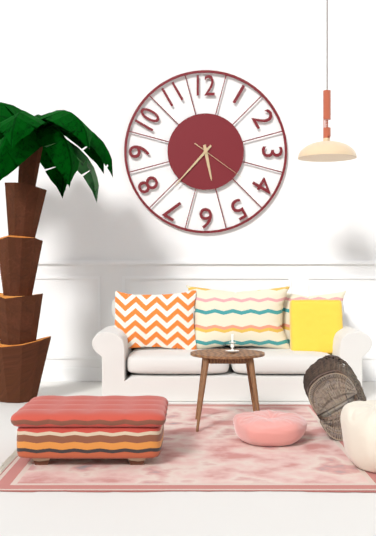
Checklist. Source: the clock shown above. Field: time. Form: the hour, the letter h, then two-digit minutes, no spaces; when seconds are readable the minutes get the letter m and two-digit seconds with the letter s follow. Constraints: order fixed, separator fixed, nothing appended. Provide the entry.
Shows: 5h37m21s
